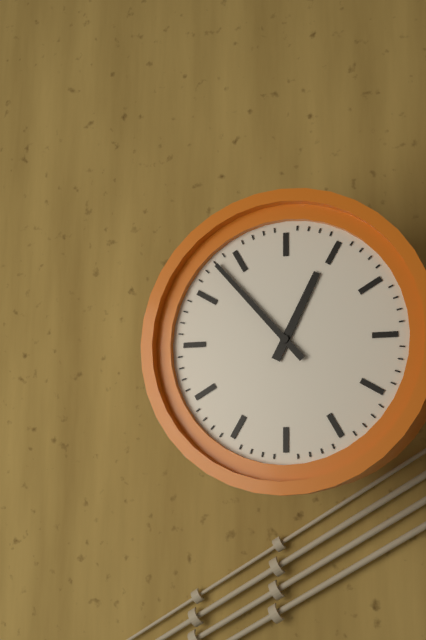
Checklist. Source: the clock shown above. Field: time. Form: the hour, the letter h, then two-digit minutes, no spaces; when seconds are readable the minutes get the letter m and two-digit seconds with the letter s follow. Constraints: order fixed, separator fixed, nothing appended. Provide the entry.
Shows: 12h53
